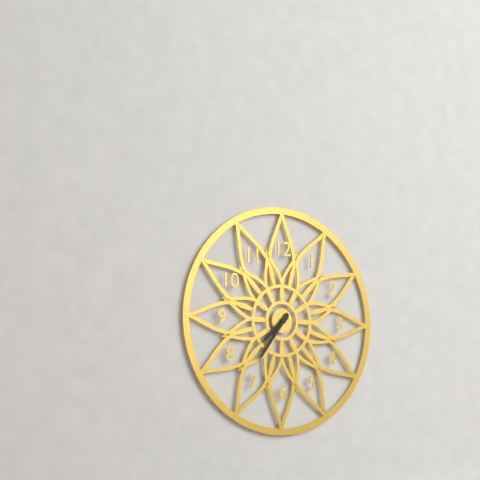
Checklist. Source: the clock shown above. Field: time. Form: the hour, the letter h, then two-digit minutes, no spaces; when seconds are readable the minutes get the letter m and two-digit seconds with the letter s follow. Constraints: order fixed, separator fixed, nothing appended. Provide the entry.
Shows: 7h36
